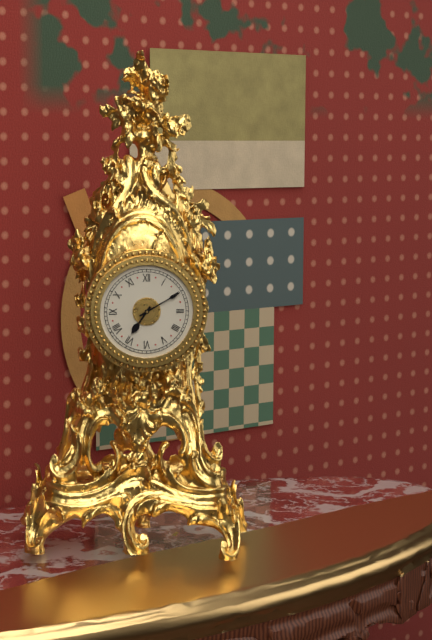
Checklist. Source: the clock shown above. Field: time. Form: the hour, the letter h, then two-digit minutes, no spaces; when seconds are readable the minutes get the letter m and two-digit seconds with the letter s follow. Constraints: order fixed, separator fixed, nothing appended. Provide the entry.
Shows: 7h10
